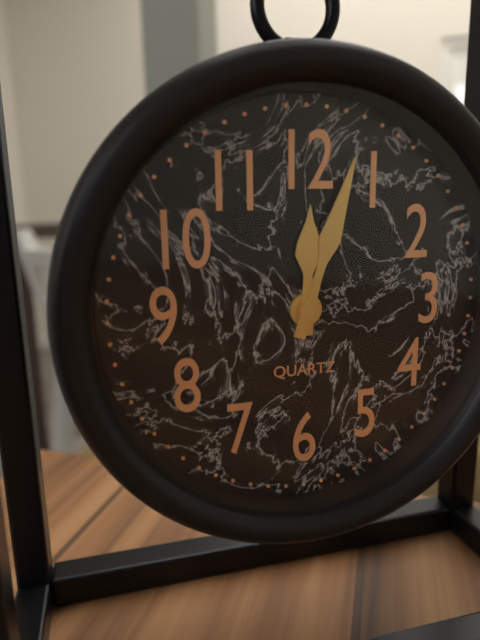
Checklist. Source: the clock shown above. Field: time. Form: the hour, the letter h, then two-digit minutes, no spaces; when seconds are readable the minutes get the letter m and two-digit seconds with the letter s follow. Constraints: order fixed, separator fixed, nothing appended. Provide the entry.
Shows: 12h03
